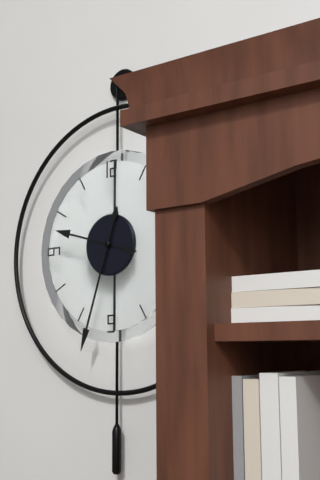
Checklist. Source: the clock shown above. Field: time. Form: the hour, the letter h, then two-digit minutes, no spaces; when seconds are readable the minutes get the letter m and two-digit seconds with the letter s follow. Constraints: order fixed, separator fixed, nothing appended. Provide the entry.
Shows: 9h33
